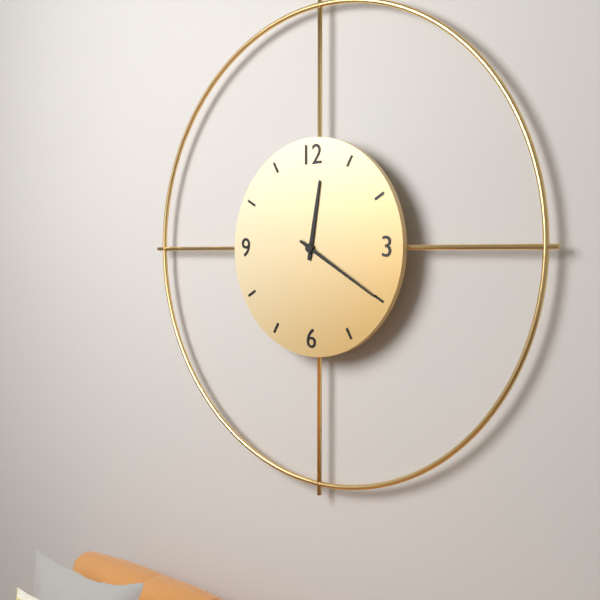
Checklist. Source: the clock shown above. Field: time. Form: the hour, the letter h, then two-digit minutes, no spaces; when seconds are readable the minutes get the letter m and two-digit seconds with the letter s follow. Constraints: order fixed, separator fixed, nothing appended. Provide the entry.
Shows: 12h20
